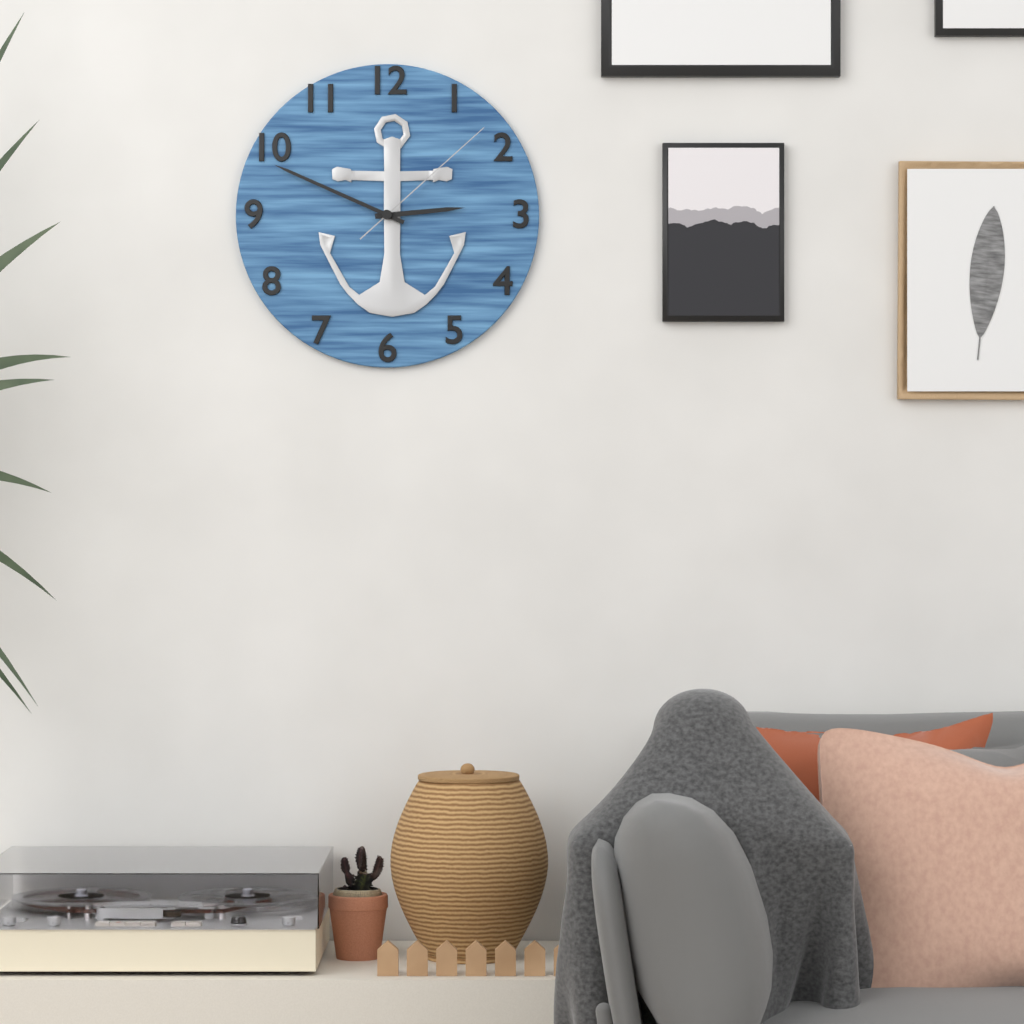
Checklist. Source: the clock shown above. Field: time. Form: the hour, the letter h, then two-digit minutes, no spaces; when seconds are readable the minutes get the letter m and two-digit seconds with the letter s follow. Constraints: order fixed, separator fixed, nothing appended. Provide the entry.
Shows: 2h49m08s
